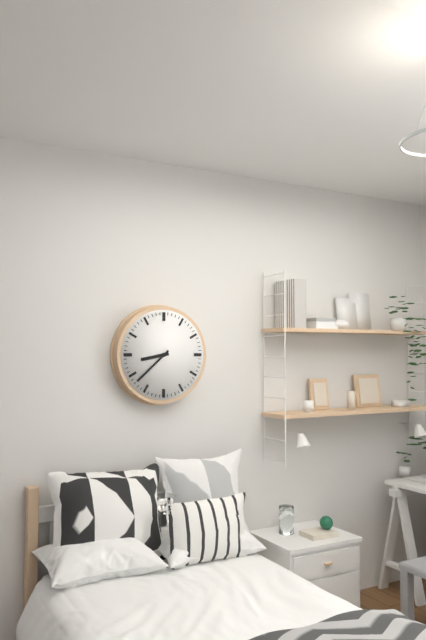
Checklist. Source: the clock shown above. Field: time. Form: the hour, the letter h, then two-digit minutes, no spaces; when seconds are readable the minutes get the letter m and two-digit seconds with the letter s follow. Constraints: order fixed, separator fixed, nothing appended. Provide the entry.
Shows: 8h38
